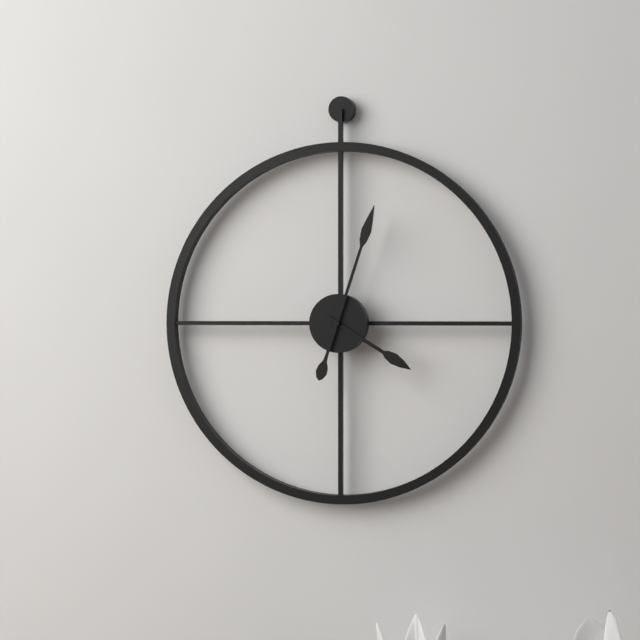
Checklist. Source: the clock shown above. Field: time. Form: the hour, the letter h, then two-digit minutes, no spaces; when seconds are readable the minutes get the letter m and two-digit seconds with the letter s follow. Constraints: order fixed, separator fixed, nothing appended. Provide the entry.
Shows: 4h03
